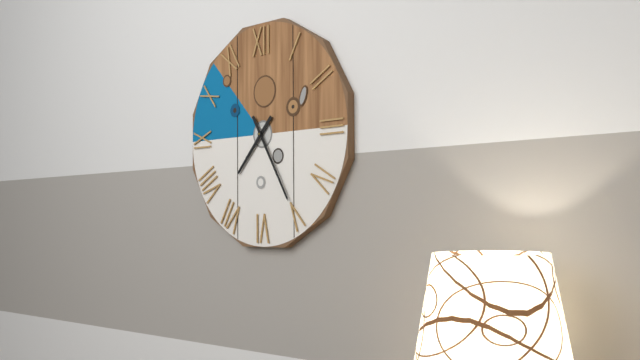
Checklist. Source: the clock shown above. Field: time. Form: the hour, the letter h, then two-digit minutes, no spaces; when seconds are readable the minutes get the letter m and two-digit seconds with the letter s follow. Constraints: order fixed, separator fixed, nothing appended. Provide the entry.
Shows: 7h25
